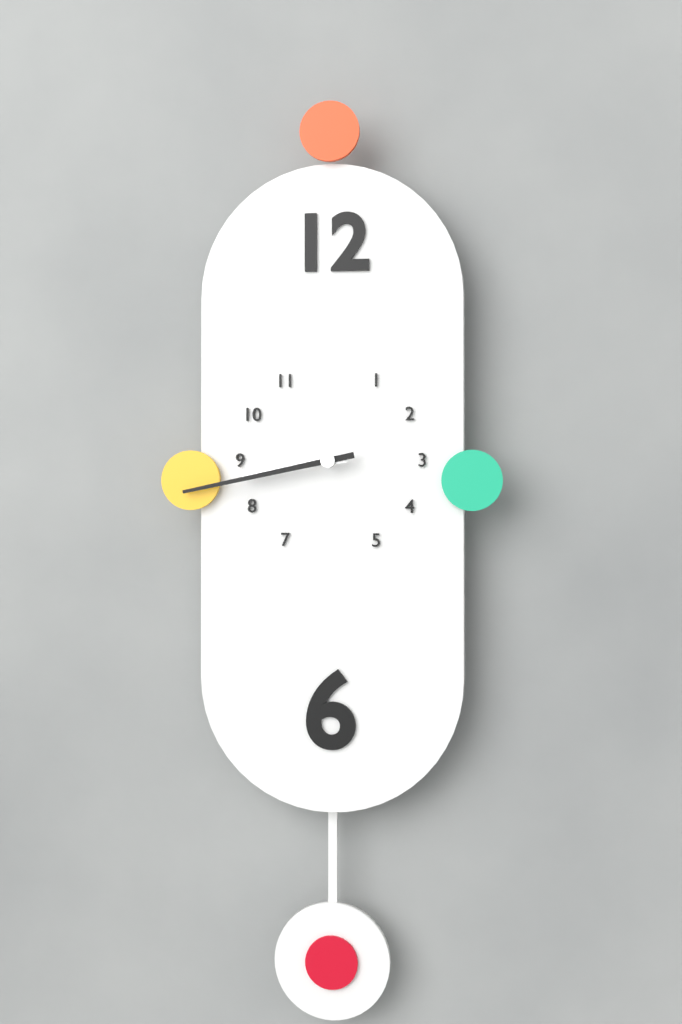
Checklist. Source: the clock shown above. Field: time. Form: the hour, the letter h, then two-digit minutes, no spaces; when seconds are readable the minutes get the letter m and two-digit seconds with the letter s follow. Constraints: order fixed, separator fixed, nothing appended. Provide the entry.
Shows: 8h43
